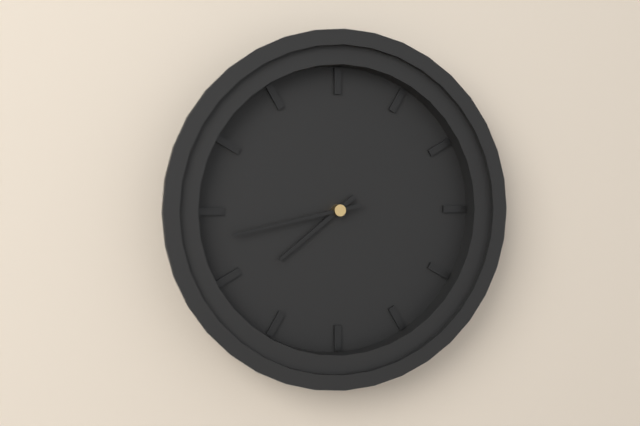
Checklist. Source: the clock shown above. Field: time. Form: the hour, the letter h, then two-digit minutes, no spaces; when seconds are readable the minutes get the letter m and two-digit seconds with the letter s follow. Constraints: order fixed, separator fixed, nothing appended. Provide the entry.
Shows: 7h43
